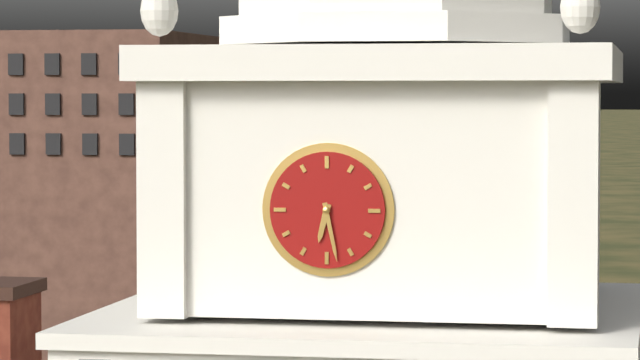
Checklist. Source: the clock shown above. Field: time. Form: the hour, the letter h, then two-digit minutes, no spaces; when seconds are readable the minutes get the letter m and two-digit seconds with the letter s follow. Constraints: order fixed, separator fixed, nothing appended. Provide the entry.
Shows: 6h28
